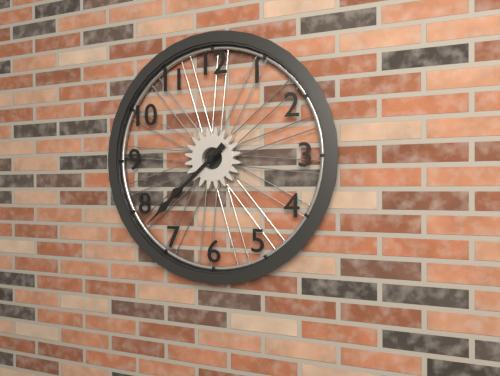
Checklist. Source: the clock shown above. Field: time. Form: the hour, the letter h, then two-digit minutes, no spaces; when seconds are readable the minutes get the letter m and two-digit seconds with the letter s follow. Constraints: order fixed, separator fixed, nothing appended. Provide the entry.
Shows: 7h38
